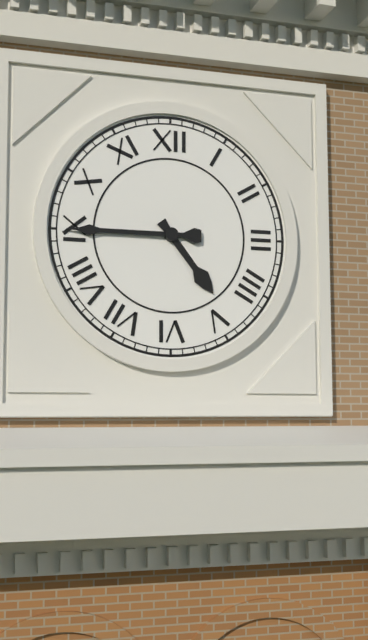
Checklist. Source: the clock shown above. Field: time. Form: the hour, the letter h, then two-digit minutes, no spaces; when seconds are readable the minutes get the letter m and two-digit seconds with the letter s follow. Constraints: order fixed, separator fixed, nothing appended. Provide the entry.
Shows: 4h45
